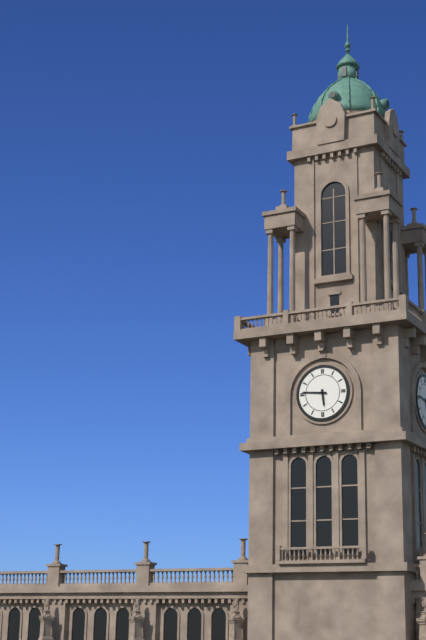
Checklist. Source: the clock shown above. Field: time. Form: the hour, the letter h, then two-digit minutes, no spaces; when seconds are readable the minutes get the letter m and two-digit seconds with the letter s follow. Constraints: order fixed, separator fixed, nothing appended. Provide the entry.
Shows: 5h46
